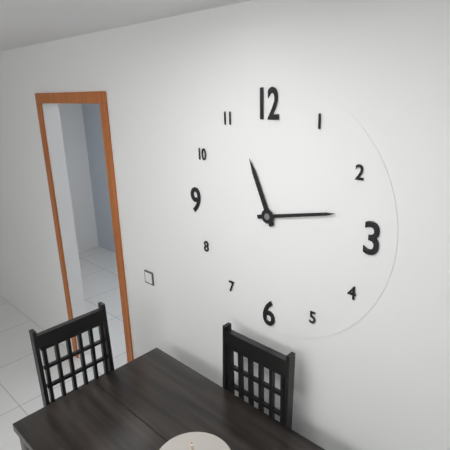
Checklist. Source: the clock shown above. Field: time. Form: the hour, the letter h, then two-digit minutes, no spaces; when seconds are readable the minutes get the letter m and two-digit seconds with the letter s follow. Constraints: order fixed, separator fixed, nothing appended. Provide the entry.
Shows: 11h13
